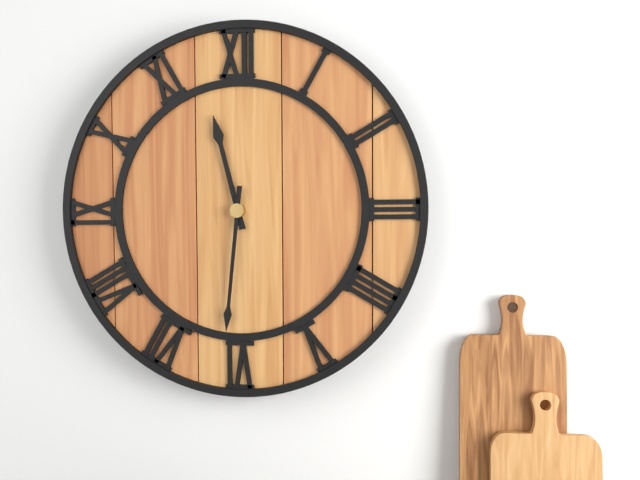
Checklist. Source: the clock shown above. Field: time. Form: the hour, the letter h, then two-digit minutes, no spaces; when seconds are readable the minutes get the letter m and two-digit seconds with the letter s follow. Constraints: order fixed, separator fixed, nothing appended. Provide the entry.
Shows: 11h31
